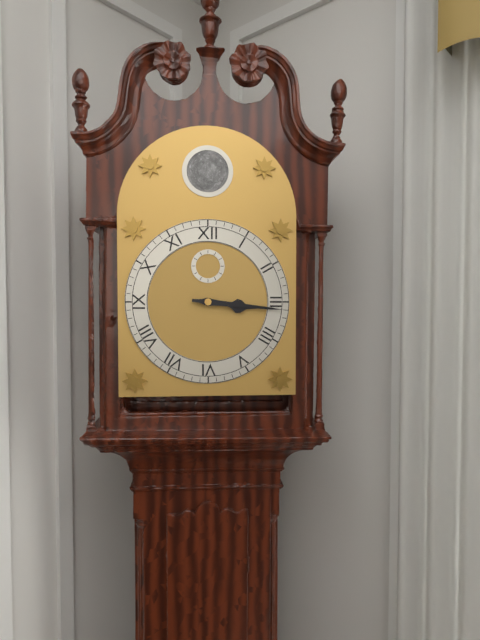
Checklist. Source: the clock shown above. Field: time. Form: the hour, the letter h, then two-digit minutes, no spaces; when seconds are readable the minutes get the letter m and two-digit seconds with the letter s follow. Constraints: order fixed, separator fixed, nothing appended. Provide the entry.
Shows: 3h16
